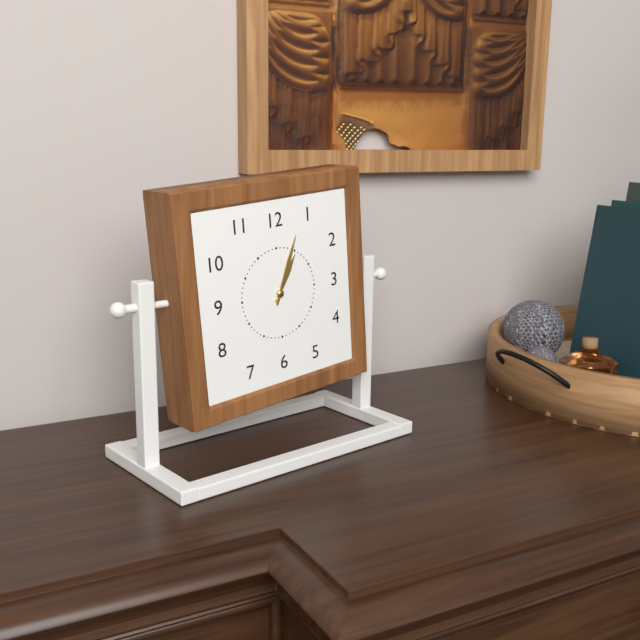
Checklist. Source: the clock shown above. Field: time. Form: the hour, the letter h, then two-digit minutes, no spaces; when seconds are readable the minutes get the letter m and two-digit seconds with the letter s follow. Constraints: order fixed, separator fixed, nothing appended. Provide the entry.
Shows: 1h04
